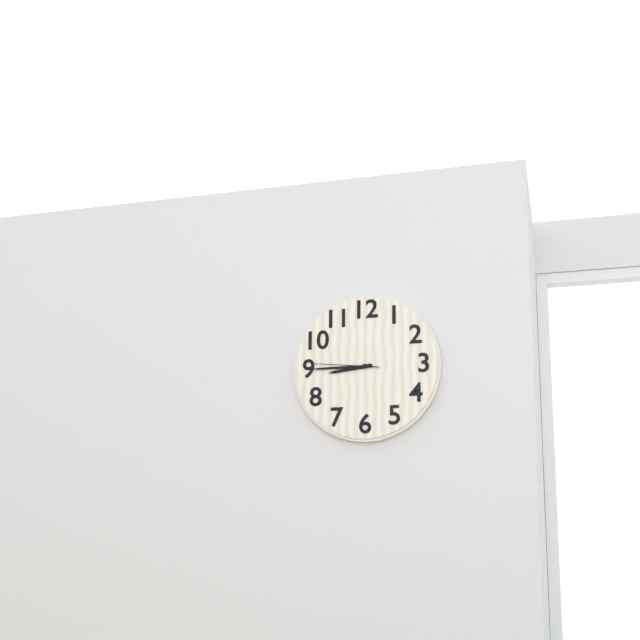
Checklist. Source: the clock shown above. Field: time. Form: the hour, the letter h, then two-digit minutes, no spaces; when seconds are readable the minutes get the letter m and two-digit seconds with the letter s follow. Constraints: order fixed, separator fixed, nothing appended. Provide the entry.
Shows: 8h45m46s
